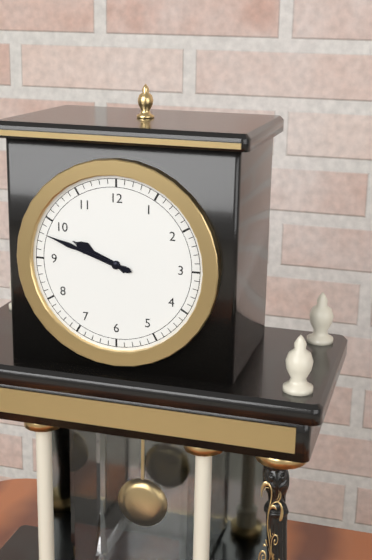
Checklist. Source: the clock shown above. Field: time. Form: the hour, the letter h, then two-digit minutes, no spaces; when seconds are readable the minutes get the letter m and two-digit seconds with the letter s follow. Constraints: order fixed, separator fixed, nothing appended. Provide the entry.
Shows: 9h48
